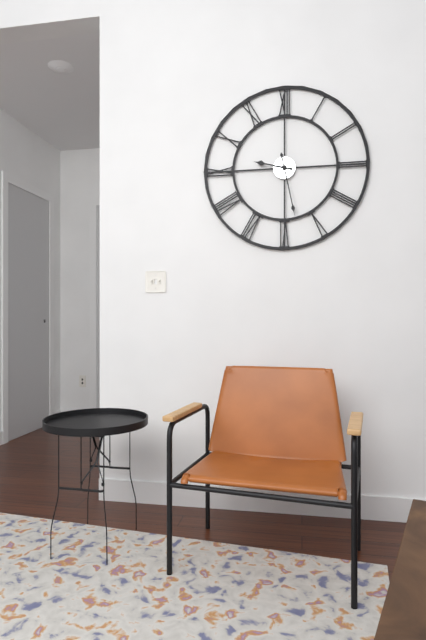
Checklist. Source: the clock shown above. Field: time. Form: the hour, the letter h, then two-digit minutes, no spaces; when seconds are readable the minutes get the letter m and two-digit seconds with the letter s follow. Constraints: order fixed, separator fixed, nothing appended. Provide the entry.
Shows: 9h28
